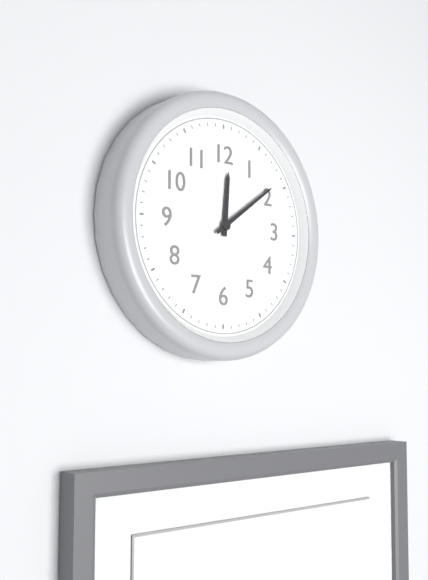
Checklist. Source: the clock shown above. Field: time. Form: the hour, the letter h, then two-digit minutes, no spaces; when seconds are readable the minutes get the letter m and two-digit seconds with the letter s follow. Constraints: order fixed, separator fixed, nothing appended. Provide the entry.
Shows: 12h09
